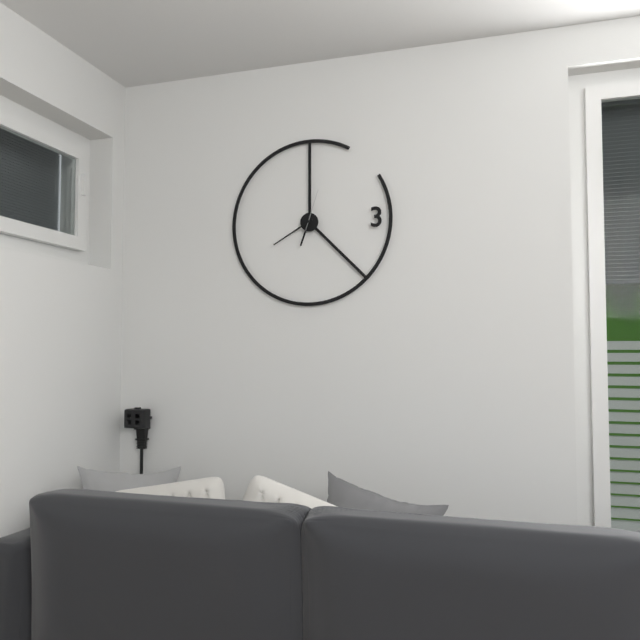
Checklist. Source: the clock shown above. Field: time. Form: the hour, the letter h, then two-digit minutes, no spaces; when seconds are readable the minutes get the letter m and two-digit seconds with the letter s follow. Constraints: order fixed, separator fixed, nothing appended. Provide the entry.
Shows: 6h40
